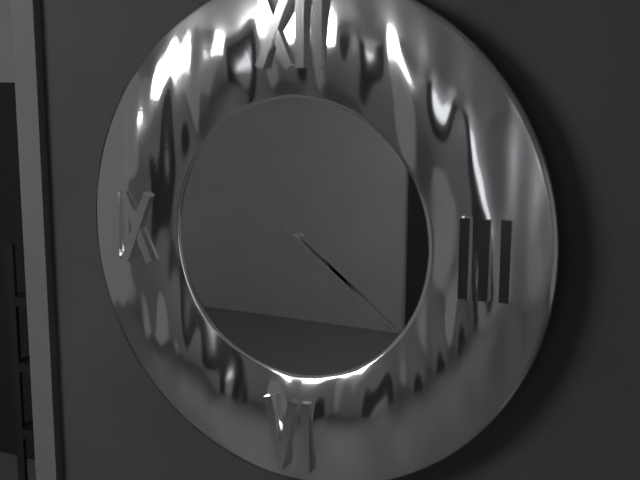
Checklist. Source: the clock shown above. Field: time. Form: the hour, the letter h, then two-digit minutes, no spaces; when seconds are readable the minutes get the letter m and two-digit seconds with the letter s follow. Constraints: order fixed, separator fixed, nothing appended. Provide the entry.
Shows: 4h21
